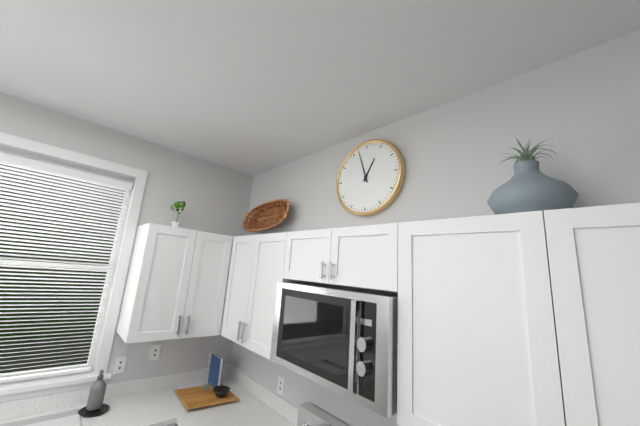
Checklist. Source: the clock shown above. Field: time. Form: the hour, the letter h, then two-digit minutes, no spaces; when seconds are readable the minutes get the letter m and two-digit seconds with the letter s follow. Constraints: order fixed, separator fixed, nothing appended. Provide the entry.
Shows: 12h57
